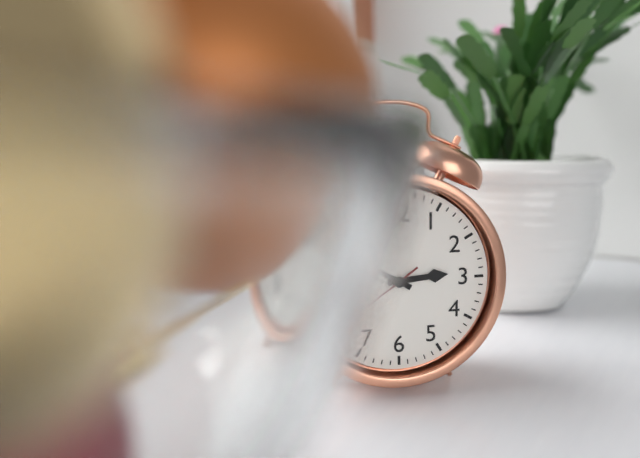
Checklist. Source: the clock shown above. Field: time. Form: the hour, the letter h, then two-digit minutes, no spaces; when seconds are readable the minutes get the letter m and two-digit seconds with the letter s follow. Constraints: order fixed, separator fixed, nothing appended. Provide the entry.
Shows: 2h50m39s
